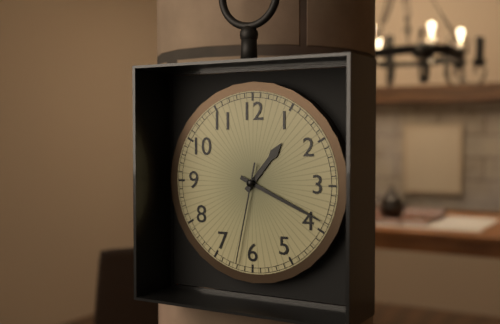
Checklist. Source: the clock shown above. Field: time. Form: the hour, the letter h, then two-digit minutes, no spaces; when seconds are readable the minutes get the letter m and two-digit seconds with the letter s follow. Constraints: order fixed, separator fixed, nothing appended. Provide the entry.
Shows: 1h19m32s
